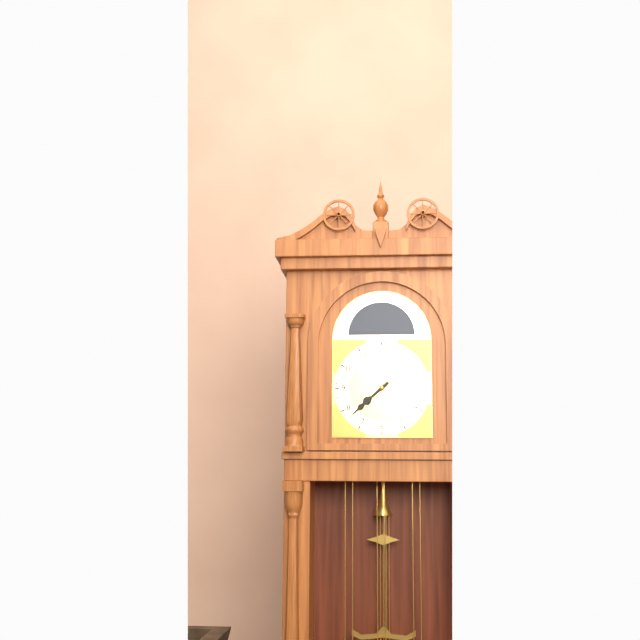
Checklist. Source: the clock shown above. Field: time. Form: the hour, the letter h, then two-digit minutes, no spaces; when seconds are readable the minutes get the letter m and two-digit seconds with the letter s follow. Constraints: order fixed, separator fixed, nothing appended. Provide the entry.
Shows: 7h38
